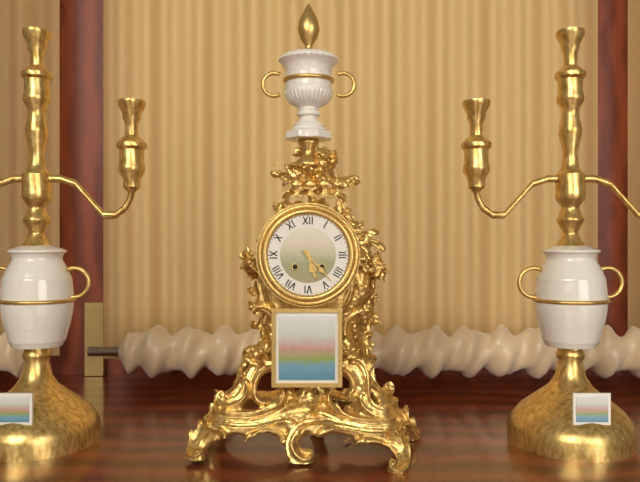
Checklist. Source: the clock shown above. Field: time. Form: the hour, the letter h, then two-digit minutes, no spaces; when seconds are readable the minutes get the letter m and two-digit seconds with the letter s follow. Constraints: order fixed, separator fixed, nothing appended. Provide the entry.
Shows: 5h23
